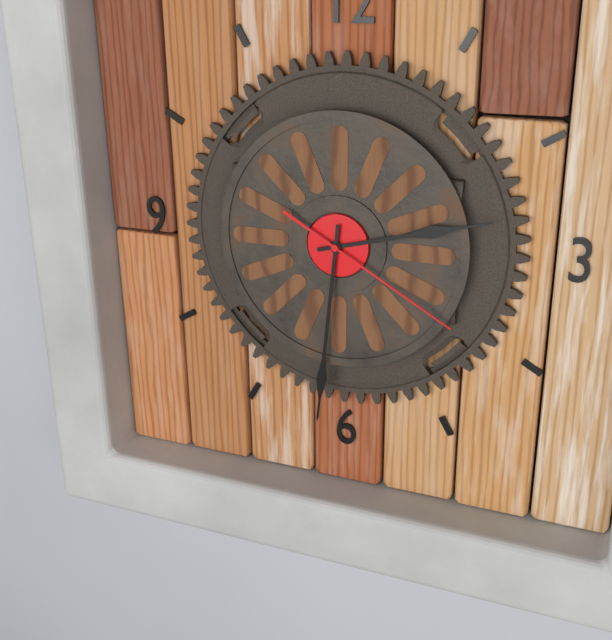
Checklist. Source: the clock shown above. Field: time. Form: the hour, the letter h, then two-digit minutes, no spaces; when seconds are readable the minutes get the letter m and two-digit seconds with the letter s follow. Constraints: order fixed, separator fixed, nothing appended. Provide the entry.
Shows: 2h31m20s
